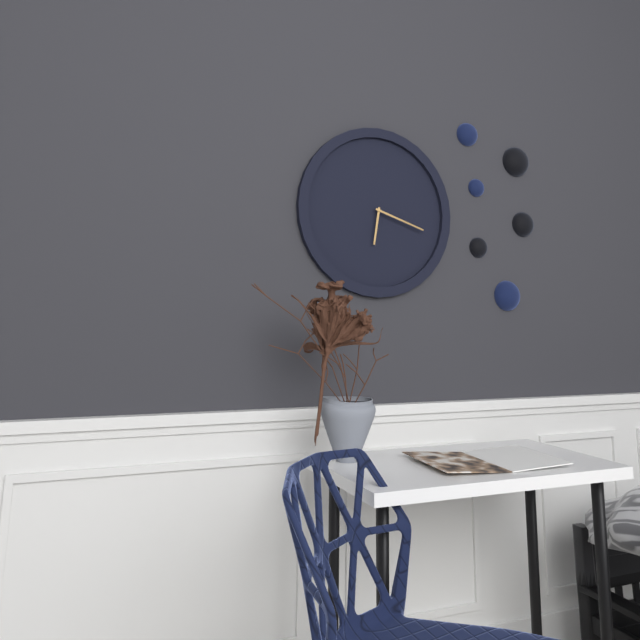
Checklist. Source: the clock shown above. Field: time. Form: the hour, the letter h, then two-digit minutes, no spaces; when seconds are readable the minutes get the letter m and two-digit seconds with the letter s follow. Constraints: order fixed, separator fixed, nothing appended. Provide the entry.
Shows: 6h18
